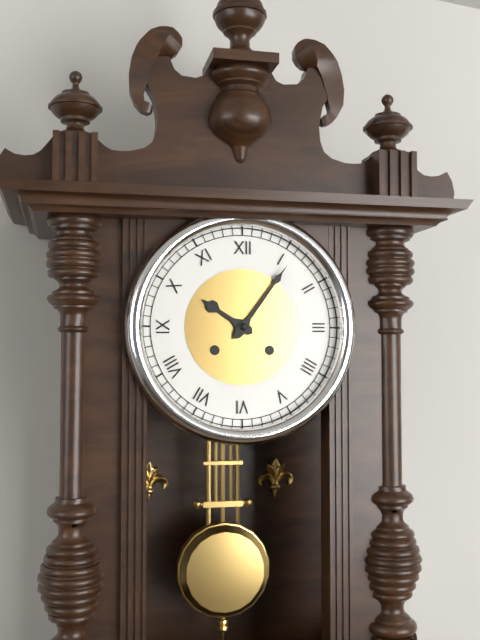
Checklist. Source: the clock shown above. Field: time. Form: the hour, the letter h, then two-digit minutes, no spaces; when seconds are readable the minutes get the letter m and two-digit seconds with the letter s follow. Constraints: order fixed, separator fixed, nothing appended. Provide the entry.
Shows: 10h06
